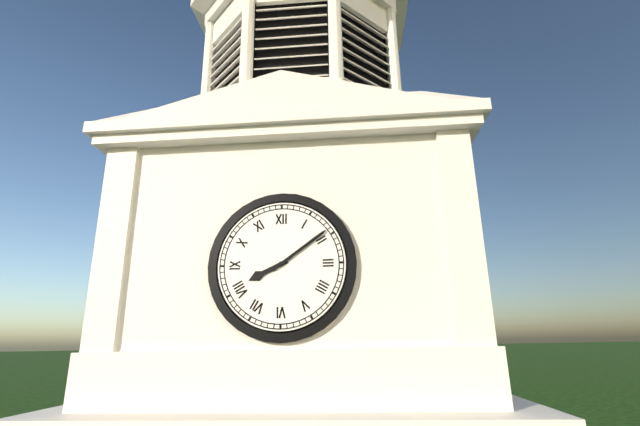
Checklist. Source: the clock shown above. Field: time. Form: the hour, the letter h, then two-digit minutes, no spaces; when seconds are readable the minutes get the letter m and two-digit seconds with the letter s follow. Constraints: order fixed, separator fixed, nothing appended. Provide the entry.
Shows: 8h09
